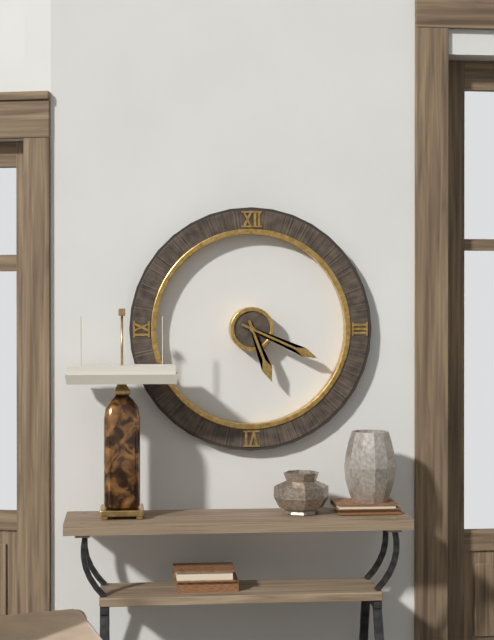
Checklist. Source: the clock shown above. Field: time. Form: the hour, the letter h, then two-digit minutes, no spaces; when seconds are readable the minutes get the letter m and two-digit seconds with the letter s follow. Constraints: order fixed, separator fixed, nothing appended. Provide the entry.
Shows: 5h19
